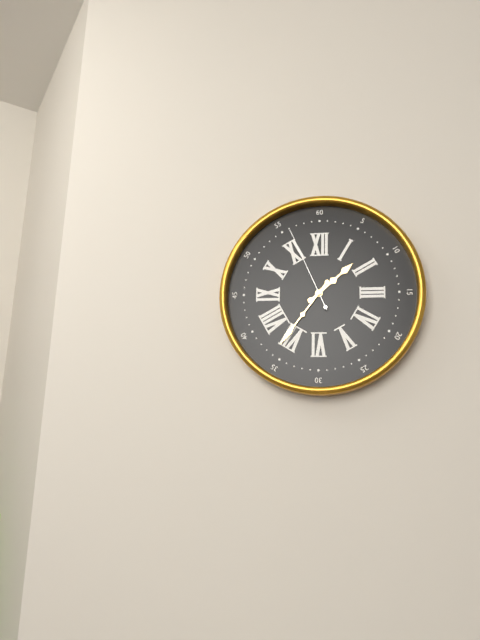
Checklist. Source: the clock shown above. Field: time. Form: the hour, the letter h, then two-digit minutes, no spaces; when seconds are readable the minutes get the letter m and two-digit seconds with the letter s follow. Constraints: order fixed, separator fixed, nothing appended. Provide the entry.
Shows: 1h36m56s
